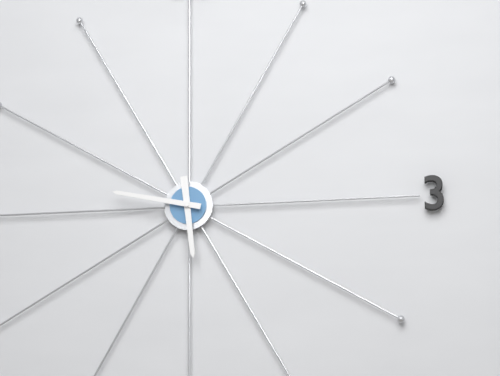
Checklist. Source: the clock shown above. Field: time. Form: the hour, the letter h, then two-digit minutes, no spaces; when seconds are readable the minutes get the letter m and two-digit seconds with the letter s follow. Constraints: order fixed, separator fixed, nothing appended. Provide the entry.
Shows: 5h47
